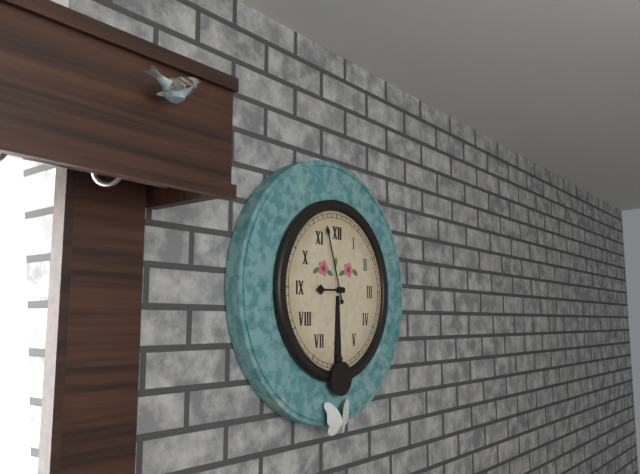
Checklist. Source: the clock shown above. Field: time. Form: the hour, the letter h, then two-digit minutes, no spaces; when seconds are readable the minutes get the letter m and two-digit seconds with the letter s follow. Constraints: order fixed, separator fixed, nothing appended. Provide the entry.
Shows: 8h57
